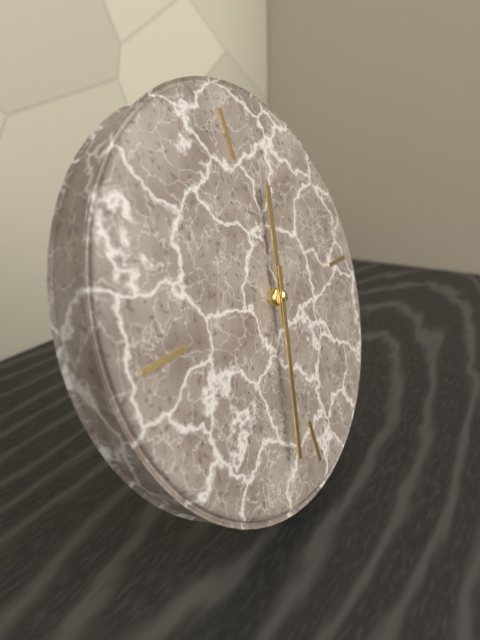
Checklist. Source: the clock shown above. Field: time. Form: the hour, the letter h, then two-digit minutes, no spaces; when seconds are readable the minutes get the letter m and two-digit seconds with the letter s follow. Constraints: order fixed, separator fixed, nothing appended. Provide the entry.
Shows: 12h33
